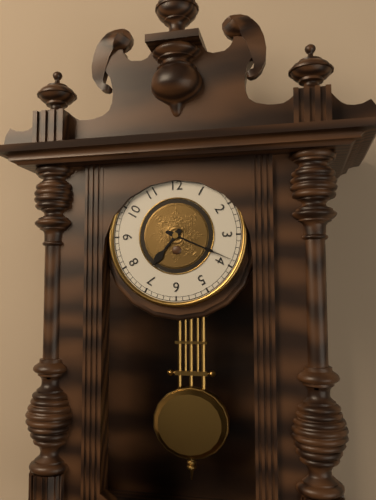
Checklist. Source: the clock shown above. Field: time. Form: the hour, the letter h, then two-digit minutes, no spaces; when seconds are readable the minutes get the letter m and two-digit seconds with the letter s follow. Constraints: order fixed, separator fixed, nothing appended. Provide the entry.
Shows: 7h19
